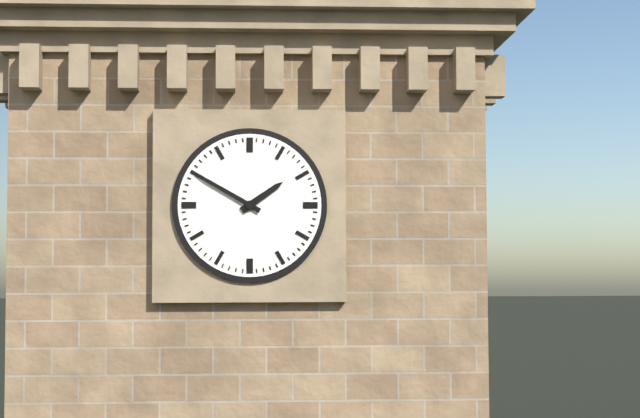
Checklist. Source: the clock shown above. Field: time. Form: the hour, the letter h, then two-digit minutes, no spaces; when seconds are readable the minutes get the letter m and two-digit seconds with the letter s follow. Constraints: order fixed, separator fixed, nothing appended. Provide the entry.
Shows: 1h50
